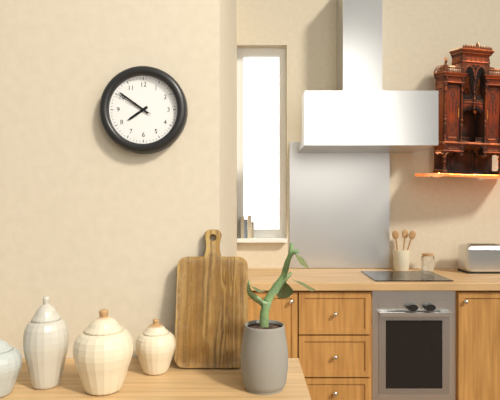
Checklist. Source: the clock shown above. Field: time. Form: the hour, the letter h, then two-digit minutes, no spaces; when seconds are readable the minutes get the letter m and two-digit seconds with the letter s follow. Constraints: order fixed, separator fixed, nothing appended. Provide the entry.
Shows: 7h51
